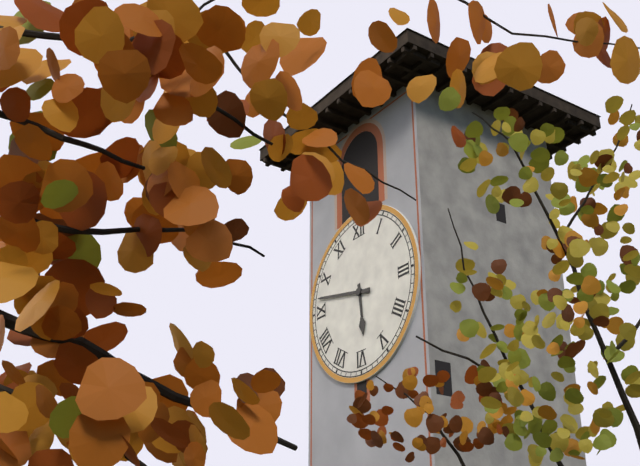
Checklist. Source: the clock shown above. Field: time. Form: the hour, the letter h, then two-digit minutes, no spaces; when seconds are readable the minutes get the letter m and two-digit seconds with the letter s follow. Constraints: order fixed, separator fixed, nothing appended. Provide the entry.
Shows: 5h47
